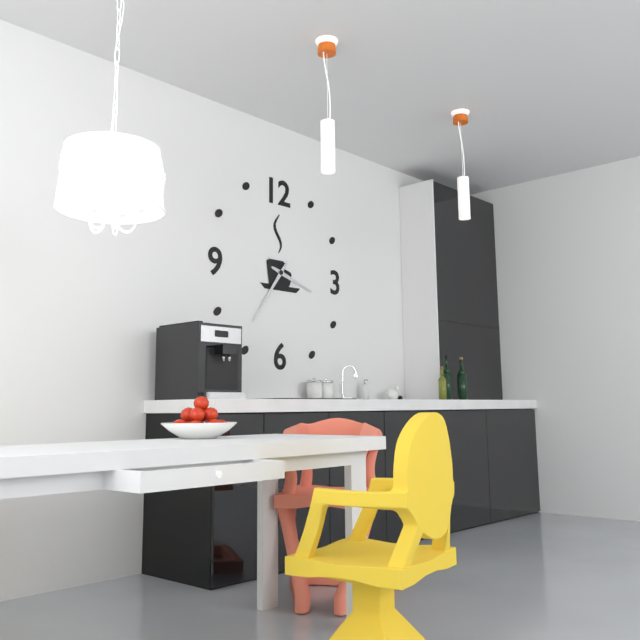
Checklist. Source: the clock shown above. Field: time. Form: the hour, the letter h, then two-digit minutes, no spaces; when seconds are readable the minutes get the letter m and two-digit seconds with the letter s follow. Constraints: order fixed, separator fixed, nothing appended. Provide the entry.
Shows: 3h36
